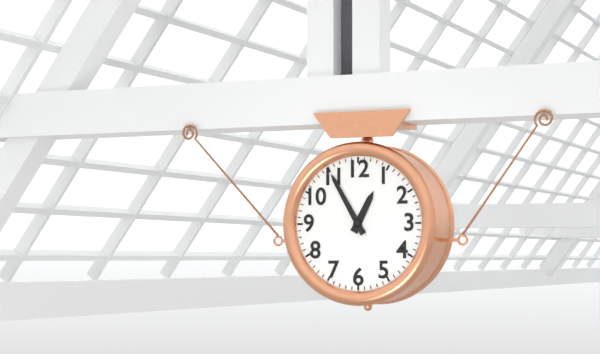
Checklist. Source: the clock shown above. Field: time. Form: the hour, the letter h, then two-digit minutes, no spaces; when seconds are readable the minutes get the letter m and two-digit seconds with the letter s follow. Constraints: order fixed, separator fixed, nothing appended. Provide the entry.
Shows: 12h55
